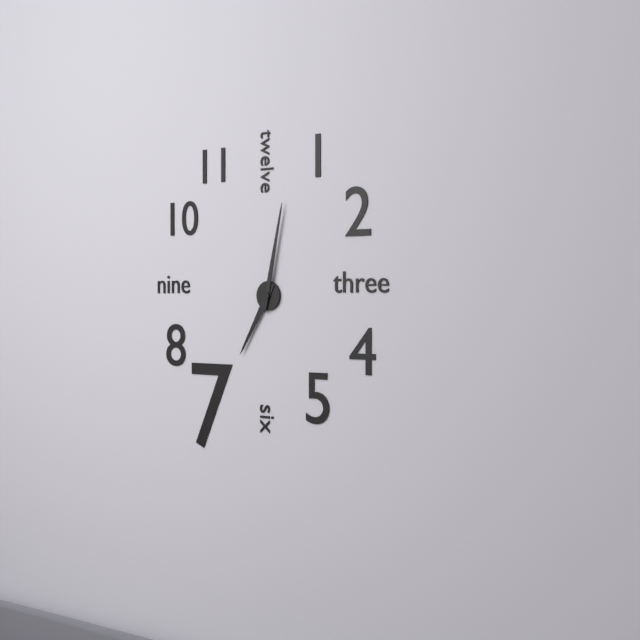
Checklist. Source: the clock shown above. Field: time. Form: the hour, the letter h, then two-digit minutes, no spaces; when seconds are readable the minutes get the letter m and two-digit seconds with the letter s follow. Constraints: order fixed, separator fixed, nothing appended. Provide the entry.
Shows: 7h02
